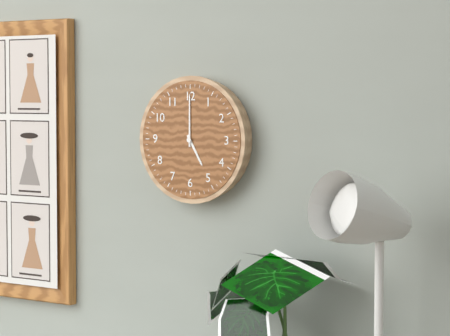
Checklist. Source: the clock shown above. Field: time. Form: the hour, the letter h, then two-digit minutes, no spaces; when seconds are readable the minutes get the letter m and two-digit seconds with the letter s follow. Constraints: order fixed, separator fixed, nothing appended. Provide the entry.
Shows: 5h00
